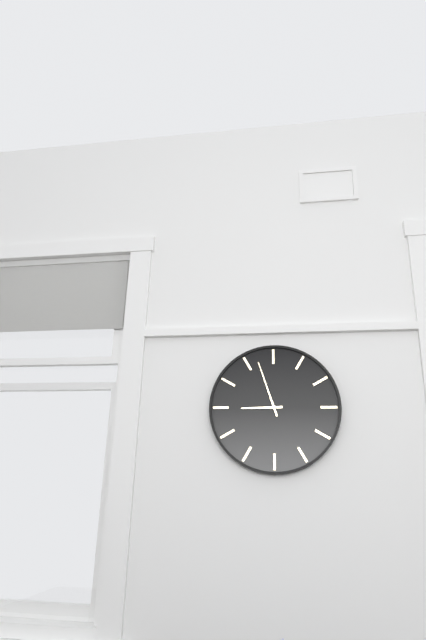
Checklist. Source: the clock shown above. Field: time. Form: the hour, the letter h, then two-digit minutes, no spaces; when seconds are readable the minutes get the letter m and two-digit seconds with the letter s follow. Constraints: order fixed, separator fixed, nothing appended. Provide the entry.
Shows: 8h57
